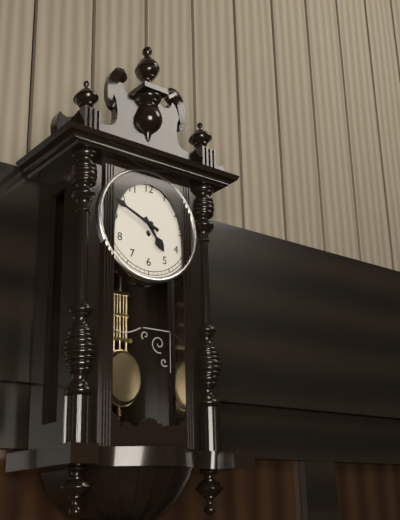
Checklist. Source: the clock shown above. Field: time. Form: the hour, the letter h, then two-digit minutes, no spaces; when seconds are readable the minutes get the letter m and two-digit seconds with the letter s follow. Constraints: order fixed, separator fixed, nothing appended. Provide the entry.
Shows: 4h49
